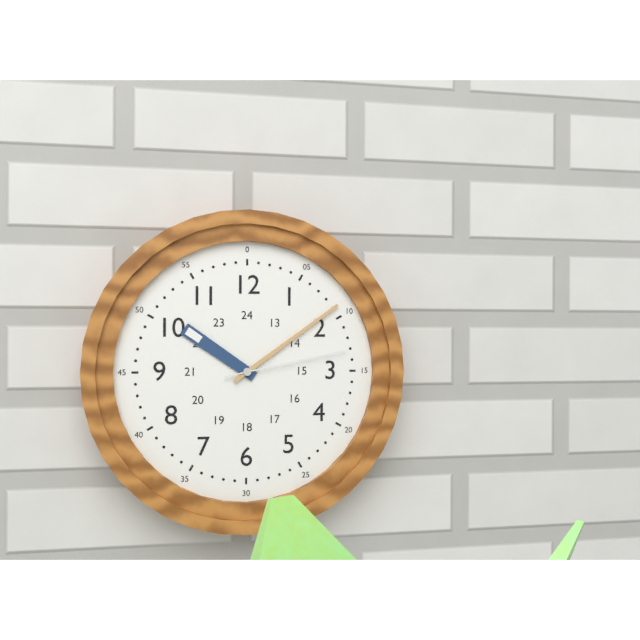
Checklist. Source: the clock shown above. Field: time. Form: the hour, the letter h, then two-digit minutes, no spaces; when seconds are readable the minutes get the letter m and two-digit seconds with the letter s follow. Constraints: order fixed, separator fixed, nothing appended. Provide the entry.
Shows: 10h09m13s
